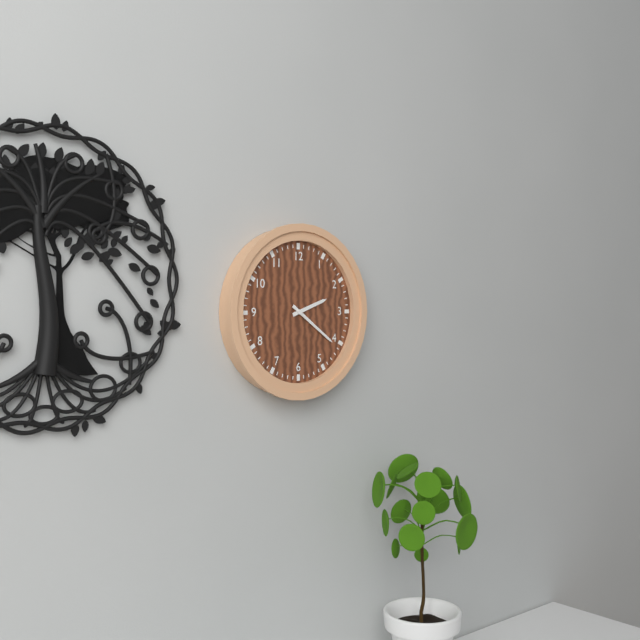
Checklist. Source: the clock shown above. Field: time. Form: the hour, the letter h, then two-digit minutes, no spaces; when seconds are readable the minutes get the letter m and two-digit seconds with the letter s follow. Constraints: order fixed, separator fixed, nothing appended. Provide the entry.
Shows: 2h21
